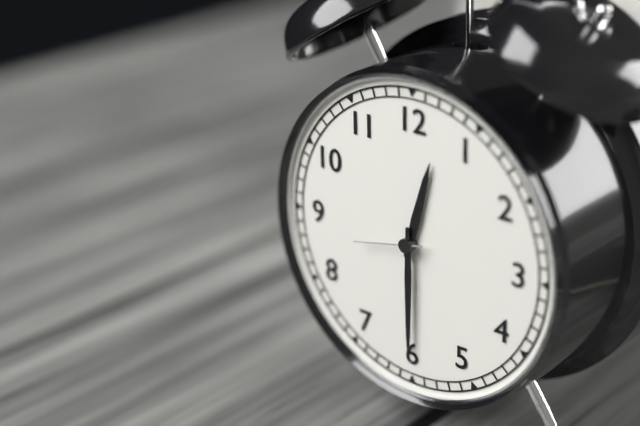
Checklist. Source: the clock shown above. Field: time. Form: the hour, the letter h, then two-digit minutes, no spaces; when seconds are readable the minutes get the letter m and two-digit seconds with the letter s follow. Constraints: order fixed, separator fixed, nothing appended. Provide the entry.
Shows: 12h30m43s
